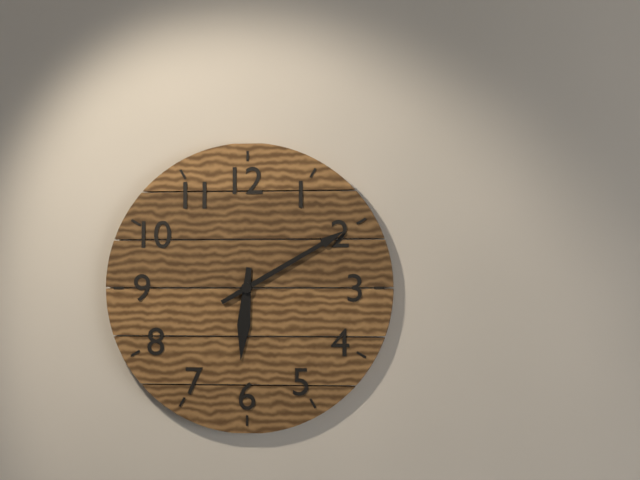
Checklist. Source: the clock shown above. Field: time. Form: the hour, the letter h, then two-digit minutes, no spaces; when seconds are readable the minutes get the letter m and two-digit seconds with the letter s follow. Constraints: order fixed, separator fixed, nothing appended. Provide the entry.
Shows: 6h10
